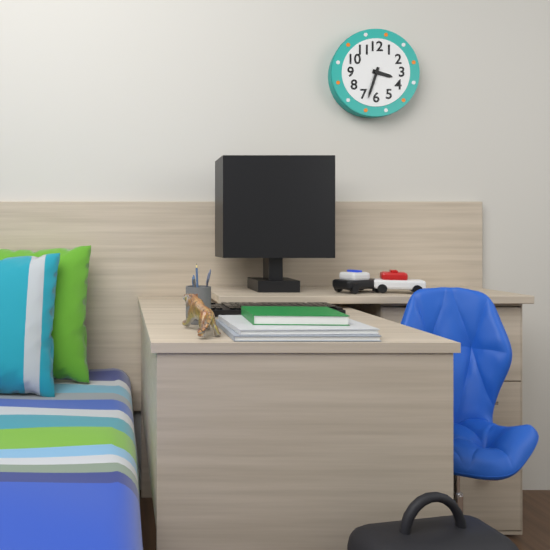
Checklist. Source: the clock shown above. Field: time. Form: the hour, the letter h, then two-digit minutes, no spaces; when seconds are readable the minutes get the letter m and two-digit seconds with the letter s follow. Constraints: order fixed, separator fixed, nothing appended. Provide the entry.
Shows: 3h33
